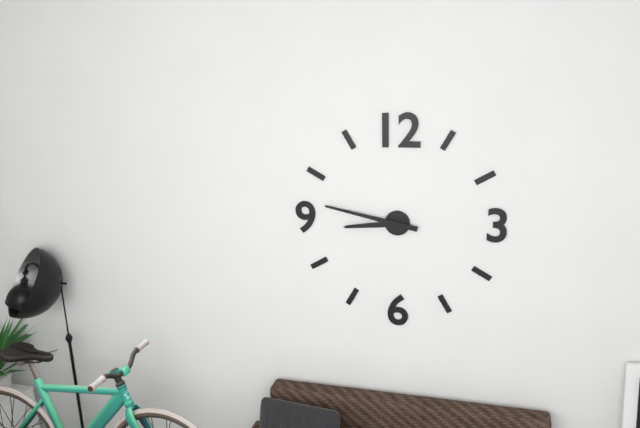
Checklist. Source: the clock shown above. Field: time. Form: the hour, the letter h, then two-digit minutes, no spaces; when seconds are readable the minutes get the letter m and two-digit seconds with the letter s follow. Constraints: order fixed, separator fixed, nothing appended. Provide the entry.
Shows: 8h47
